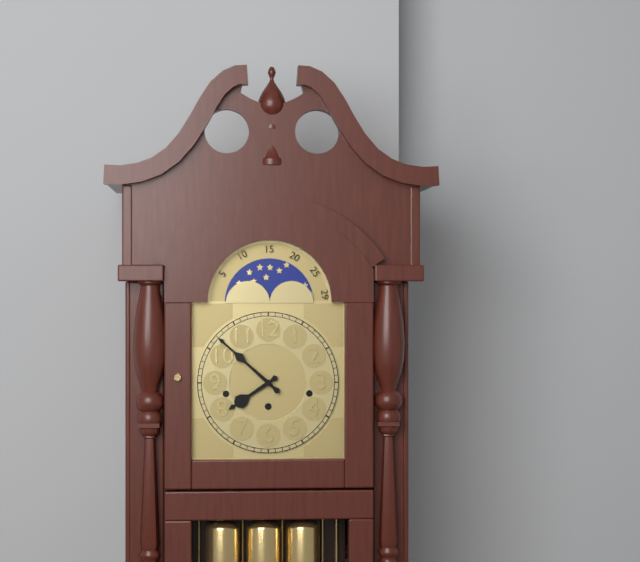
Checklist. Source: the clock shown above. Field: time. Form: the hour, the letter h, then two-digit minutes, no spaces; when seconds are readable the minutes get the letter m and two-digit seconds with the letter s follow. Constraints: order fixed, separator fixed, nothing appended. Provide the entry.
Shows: 7h52
